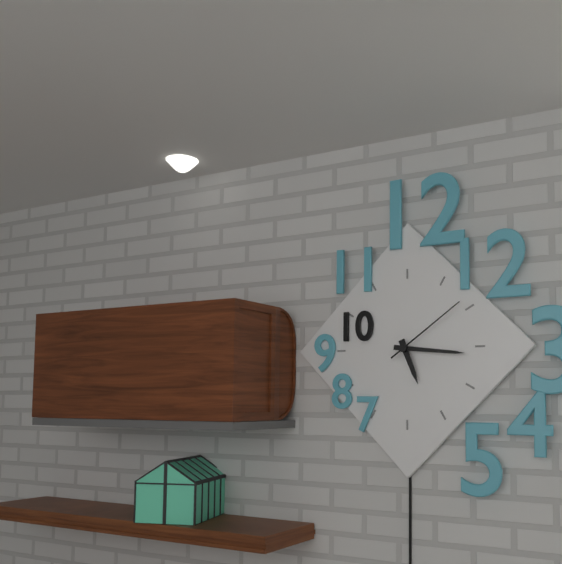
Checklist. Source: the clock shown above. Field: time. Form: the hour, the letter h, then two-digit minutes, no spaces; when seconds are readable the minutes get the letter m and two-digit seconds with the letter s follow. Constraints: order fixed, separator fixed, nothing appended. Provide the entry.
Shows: 5h16m09s
